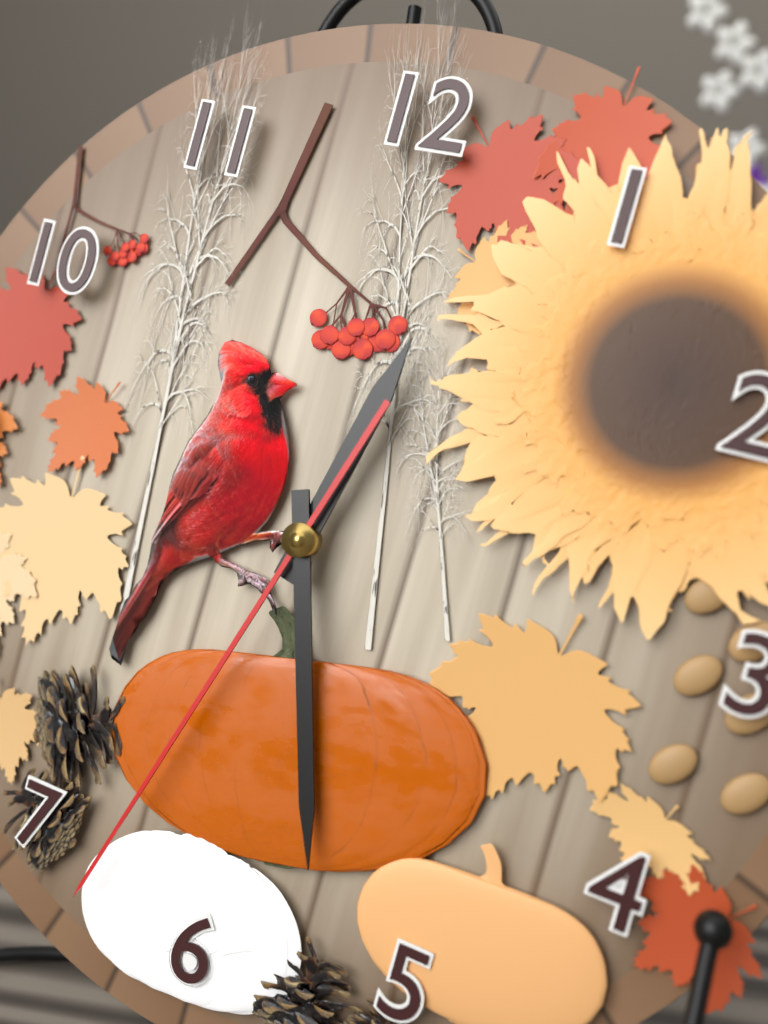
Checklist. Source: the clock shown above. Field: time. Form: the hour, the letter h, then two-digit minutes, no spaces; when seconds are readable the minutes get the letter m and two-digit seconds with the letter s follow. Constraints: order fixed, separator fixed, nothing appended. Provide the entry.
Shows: 12h27m33s
